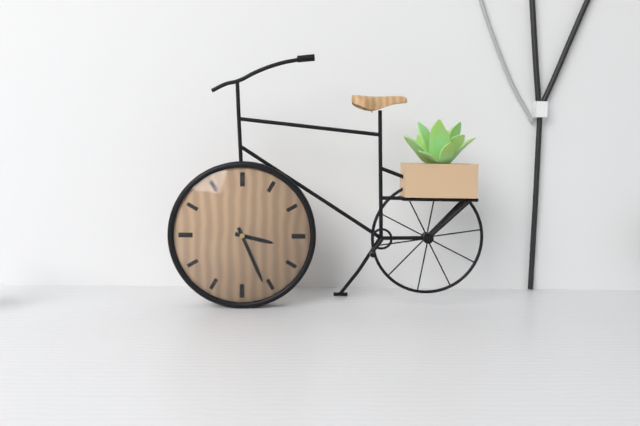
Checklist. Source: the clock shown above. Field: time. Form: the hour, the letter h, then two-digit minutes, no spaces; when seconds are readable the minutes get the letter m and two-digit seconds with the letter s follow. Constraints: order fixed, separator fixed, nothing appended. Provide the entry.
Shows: 3h26
